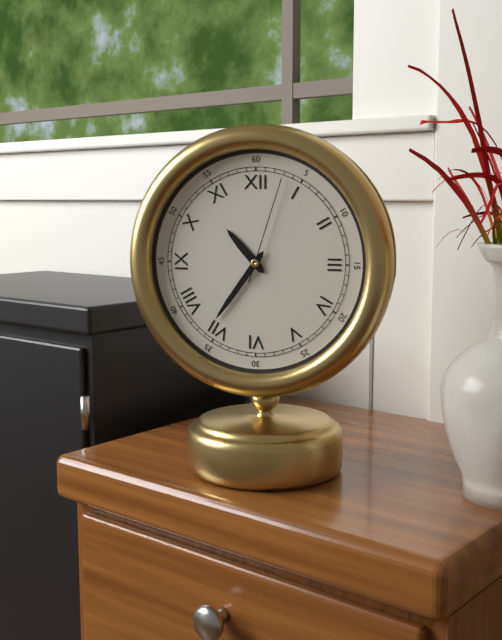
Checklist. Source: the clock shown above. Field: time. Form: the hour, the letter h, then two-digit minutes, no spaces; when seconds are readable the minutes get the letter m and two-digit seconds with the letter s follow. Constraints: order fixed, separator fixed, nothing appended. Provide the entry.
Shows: 10h36m03s
